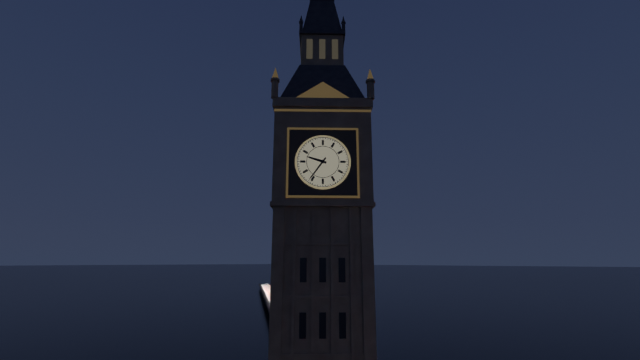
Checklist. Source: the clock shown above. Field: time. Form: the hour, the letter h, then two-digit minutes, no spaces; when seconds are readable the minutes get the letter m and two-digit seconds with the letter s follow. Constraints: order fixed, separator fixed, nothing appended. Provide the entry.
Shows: 9h36
